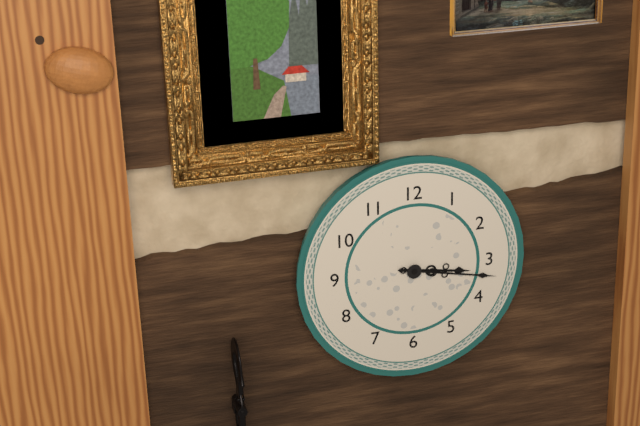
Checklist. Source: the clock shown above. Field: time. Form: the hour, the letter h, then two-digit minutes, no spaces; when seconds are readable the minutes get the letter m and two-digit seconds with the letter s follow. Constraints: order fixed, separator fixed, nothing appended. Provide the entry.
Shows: 3h17
